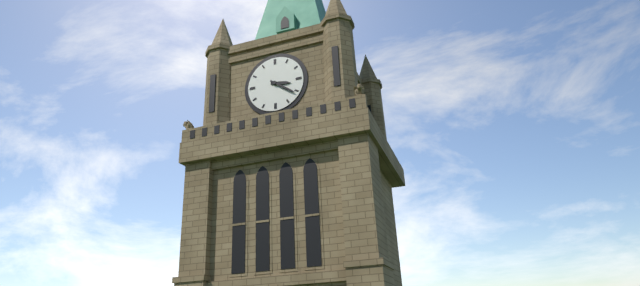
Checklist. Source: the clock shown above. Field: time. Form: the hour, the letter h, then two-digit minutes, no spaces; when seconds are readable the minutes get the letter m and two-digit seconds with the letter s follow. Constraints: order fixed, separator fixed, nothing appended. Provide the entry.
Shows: 3h21
